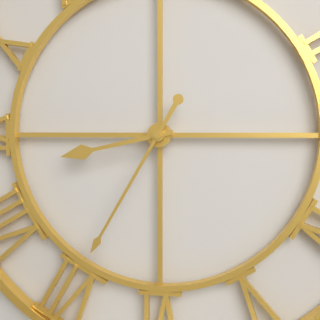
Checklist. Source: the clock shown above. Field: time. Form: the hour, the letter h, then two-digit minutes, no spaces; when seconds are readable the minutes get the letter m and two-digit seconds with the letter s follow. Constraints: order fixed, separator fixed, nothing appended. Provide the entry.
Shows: 8h35
